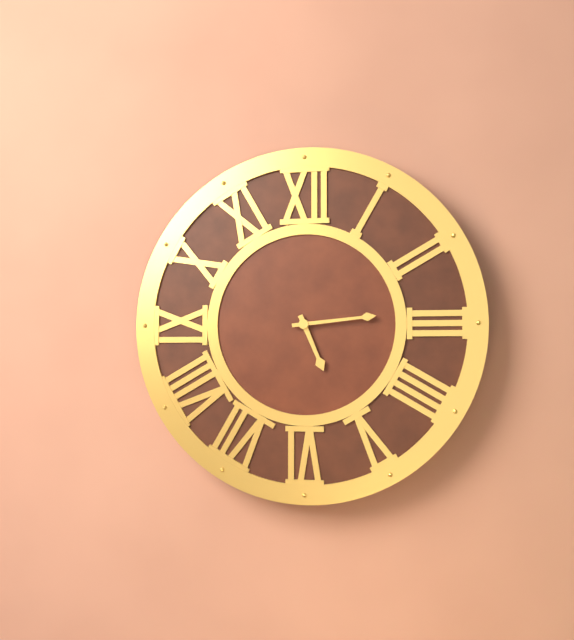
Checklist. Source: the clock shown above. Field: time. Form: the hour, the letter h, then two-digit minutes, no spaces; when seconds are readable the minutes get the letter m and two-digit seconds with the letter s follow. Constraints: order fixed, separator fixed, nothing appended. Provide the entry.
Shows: 5h14
